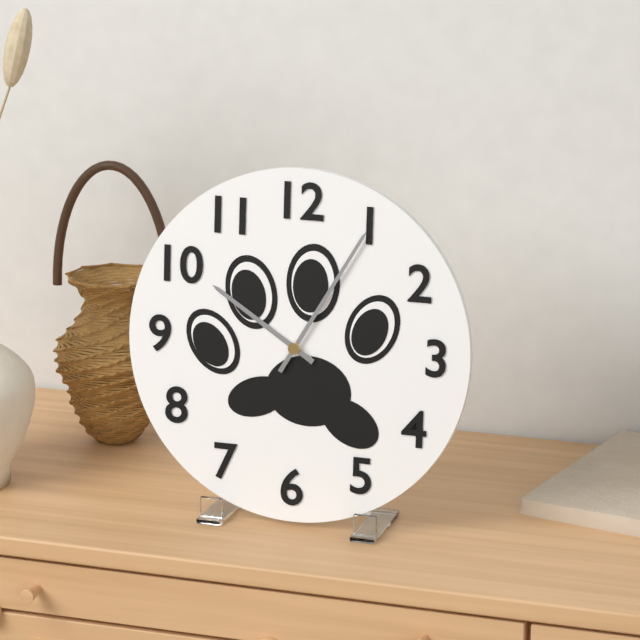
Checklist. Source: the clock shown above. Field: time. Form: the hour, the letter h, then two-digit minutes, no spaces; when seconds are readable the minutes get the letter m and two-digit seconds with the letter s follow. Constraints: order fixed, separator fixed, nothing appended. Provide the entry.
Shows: 10h05
